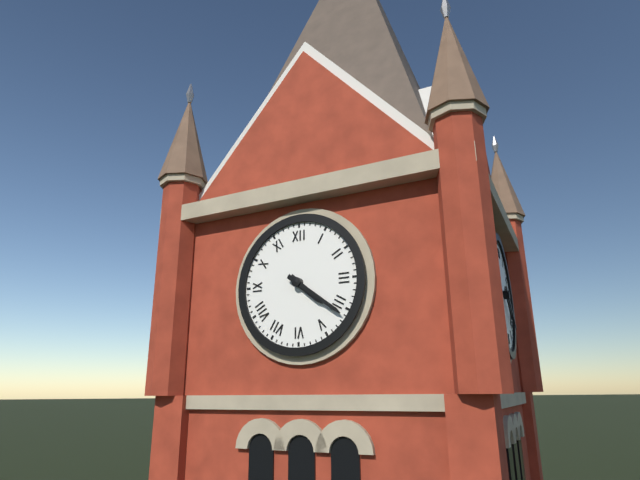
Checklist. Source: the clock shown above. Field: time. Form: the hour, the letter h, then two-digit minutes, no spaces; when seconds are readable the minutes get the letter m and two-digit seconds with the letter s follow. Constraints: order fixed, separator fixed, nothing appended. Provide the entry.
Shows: 4h21
